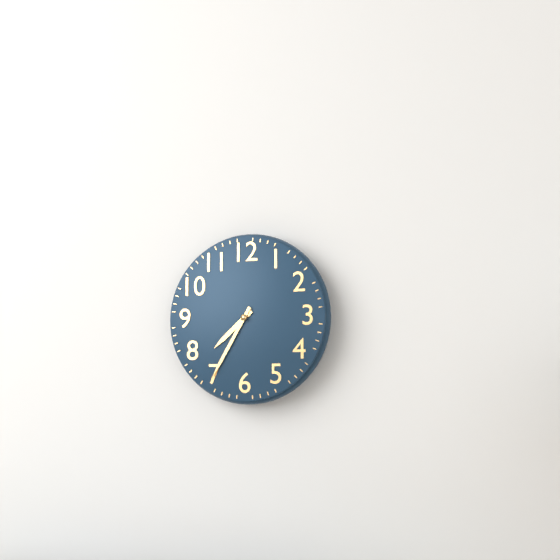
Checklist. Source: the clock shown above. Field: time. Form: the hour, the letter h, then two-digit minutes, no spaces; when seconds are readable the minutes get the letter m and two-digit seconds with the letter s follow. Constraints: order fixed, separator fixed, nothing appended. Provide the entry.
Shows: 7h35
